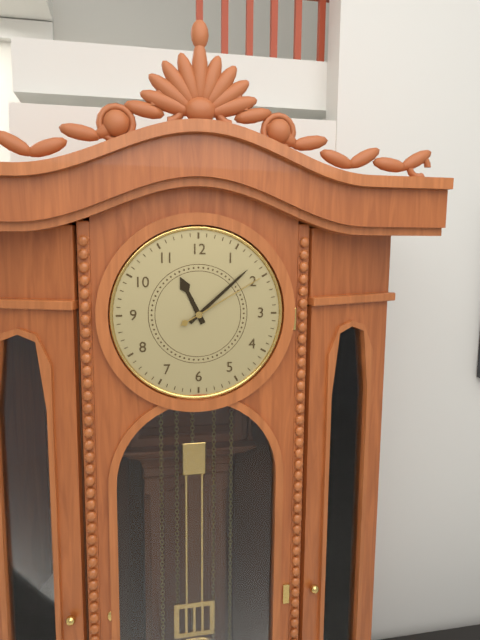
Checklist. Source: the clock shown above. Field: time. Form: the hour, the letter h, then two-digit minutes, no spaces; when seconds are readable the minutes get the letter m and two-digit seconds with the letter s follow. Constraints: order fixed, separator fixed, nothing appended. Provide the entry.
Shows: 11h08m10s
